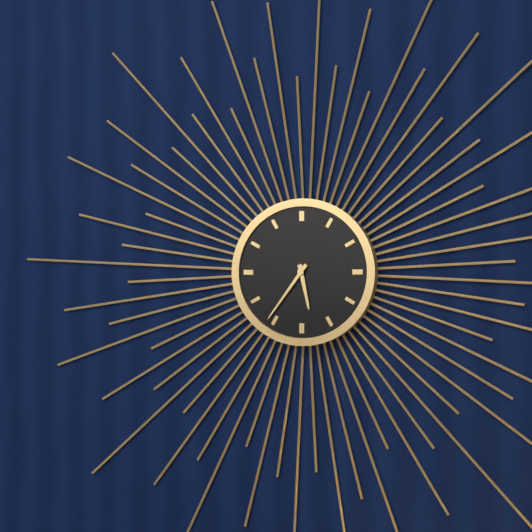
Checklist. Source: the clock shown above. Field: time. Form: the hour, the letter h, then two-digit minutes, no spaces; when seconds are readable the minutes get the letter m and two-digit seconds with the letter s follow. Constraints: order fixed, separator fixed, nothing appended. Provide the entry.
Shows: 5h36
